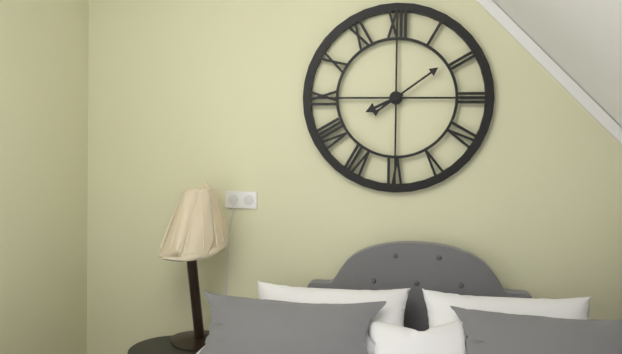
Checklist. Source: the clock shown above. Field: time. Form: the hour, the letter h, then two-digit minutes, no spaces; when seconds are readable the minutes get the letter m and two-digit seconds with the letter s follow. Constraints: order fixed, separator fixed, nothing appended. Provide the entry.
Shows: 8h09
